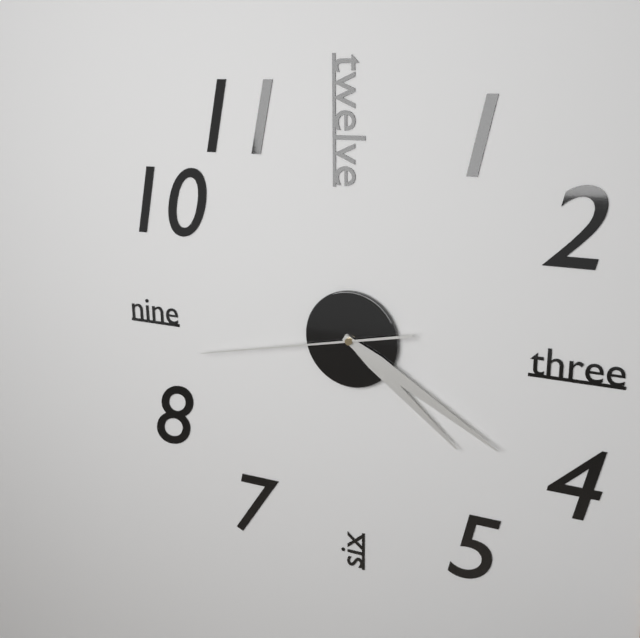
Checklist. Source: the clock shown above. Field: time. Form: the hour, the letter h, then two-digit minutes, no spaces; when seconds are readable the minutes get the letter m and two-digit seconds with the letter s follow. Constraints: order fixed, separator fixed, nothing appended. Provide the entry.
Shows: 4h20m43s
